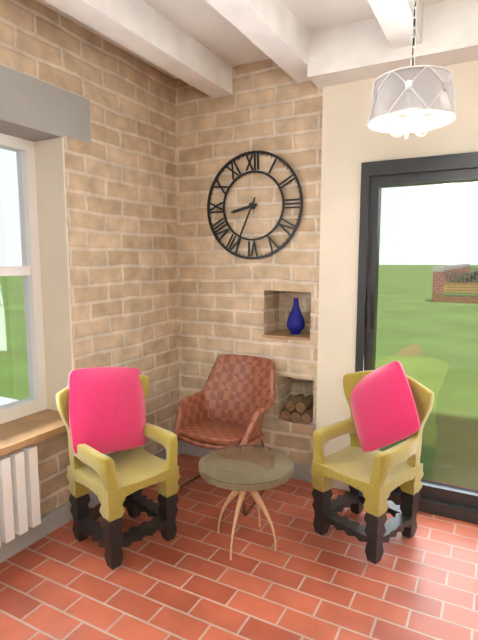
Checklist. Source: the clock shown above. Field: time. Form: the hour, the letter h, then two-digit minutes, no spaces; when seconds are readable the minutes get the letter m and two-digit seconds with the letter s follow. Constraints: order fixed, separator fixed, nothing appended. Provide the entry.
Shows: 8h34
